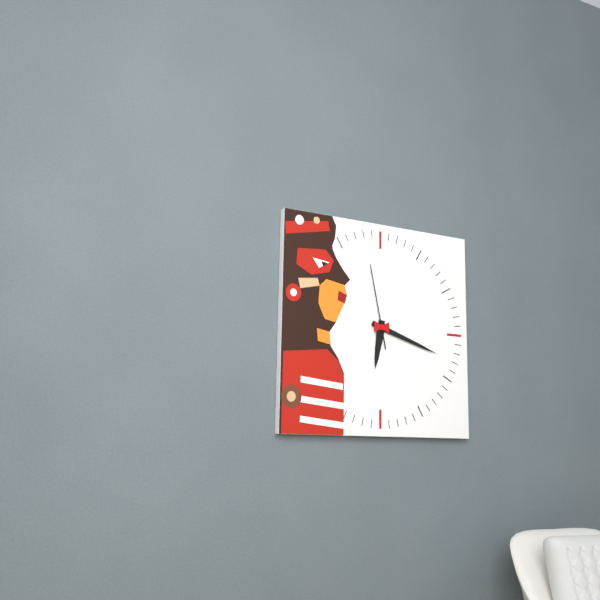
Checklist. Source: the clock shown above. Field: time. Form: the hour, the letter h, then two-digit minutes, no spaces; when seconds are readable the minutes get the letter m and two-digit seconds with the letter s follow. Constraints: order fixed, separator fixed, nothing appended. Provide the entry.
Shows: 6h18m58s
